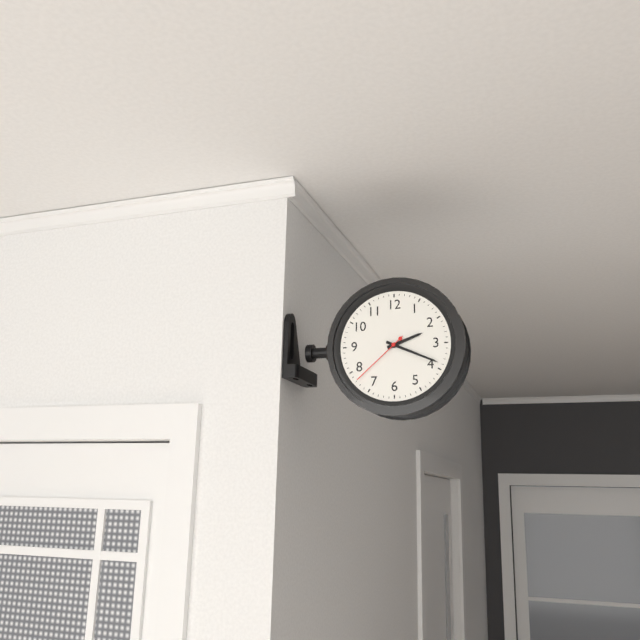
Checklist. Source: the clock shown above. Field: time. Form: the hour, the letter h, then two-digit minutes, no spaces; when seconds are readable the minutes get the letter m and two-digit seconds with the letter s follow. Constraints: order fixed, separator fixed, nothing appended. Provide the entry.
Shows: 2h19m38s
